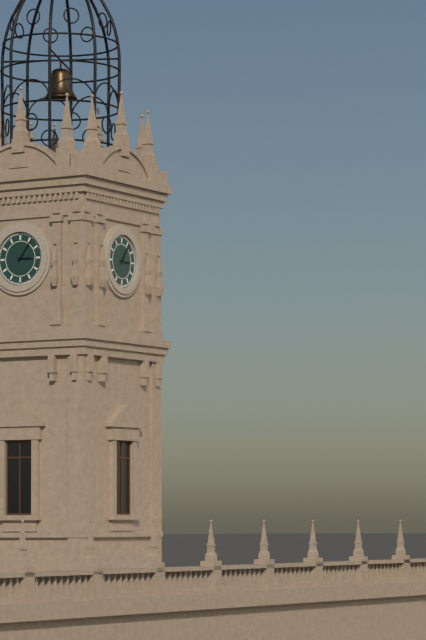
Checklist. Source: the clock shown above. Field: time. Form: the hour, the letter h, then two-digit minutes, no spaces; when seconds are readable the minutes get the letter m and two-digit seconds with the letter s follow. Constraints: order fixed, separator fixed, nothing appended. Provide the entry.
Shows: 3h06
